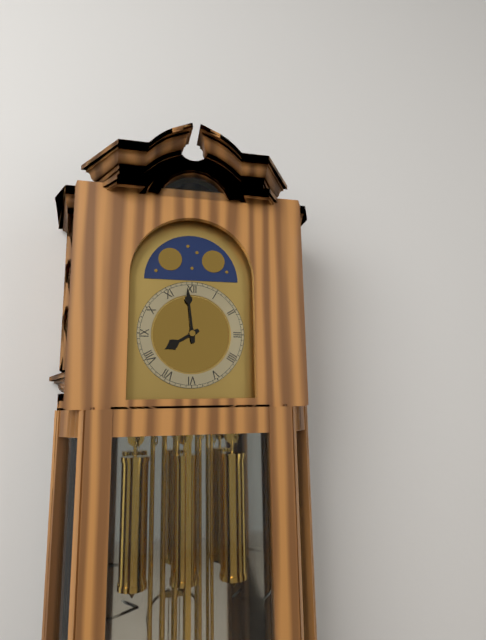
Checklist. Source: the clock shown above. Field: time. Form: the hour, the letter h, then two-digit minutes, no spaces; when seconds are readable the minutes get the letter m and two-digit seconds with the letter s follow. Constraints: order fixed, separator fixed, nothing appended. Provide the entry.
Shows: 7h59
